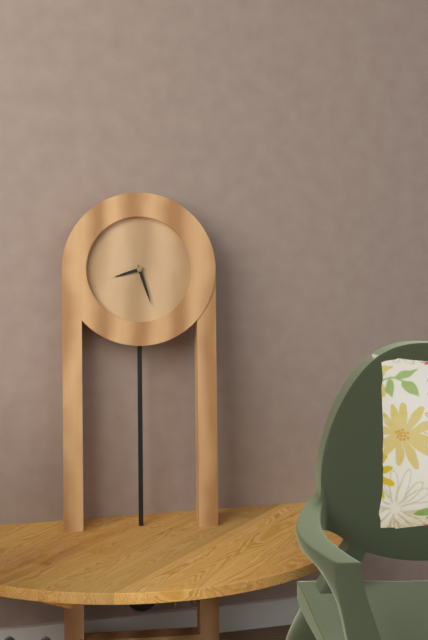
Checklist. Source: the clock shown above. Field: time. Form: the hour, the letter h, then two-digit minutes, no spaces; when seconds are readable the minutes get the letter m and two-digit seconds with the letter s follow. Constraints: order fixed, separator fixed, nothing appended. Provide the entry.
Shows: 8h27
